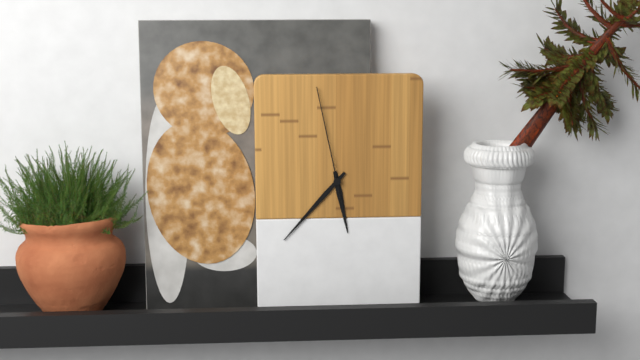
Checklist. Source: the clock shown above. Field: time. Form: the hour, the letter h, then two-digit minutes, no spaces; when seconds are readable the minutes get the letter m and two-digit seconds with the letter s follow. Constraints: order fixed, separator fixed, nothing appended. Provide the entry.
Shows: 5h37m58s
